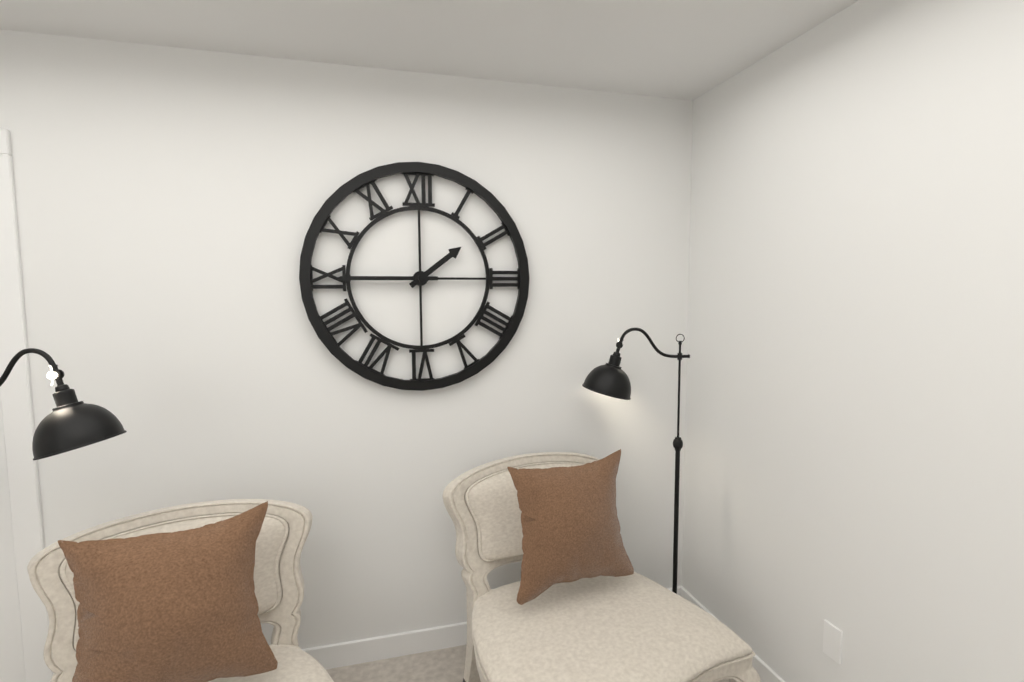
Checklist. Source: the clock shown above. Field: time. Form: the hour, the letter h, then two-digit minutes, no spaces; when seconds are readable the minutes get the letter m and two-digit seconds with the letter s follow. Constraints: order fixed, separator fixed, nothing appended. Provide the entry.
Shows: 1h45
